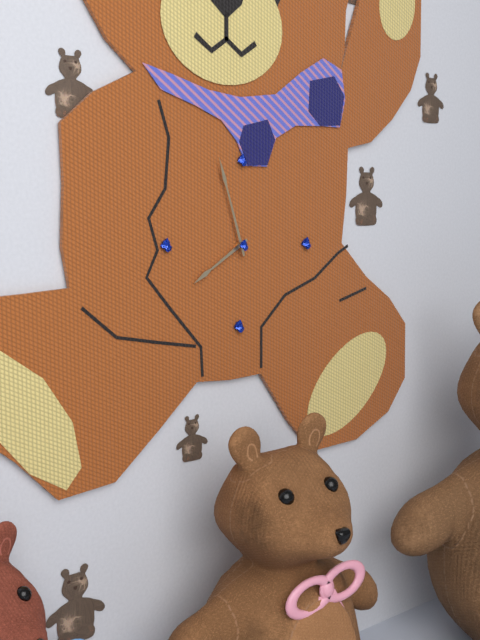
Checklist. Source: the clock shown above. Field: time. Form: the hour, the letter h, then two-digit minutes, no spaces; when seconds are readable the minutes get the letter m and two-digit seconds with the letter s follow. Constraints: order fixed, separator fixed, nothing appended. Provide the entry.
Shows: 7h57
